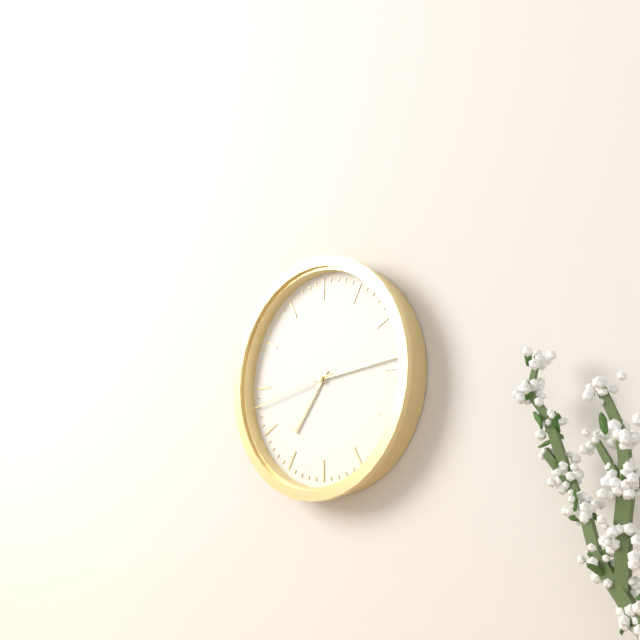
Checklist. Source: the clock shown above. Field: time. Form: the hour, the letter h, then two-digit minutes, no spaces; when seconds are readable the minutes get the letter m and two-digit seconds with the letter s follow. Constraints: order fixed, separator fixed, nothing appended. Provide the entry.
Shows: 7h14m43s
